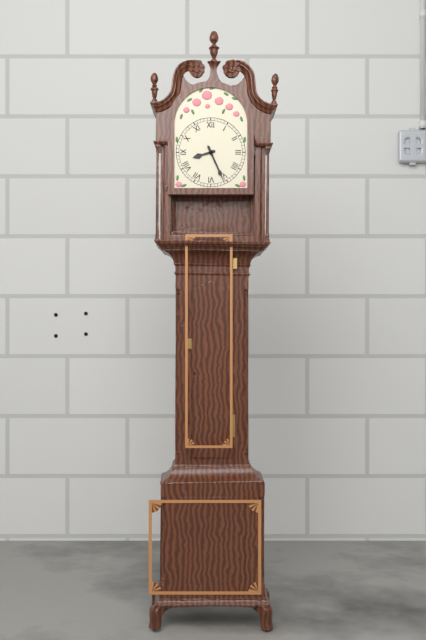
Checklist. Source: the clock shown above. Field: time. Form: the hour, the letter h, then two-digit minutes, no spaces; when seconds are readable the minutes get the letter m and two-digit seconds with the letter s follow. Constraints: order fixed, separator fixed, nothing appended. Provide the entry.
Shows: 8h26
